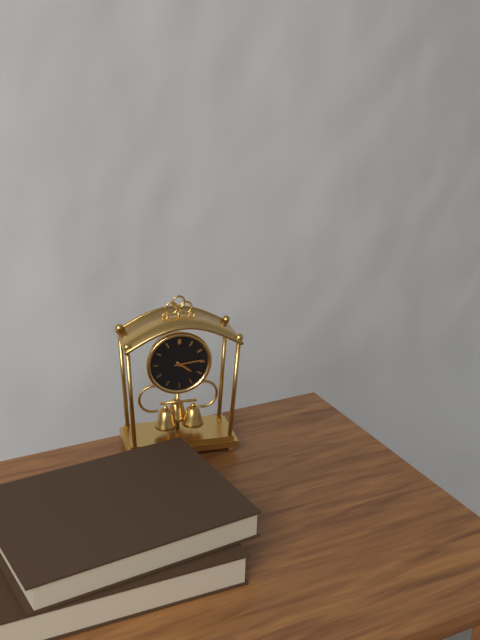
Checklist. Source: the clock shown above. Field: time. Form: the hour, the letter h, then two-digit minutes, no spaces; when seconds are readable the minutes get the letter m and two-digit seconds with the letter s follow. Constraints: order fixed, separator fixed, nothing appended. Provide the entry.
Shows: 4h14
